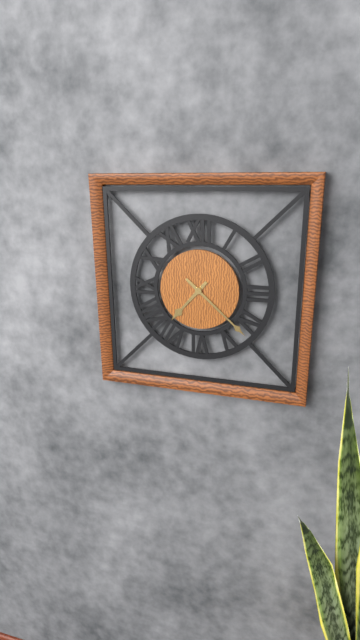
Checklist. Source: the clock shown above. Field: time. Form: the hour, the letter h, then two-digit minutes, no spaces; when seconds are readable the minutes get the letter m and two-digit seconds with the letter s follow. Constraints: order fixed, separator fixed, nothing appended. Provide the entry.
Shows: 7h22
